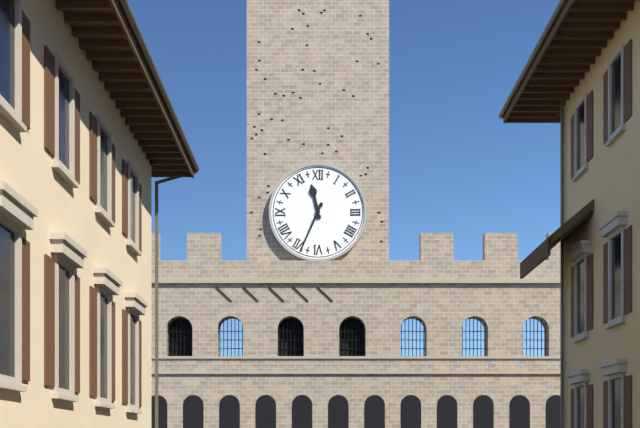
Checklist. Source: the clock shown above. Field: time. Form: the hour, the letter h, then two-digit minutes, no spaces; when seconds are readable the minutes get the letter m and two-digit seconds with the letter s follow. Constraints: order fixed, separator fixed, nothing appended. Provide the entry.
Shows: 11h34
